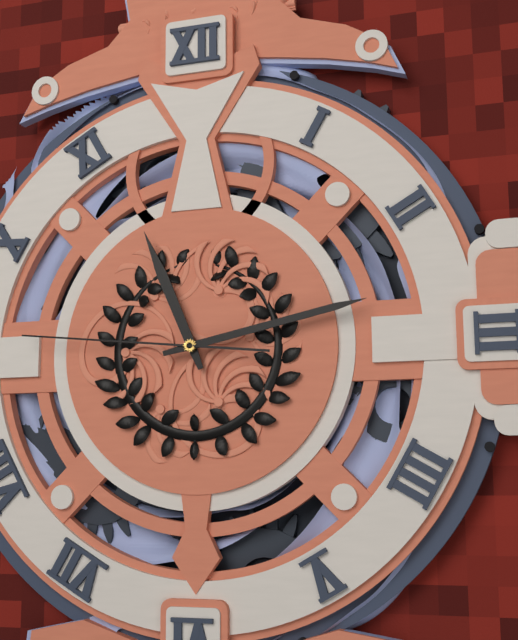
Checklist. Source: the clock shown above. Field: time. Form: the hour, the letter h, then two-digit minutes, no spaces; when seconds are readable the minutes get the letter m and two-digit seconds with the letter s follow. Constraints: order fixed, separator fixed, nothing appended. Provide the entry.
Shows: 11h13m46s
